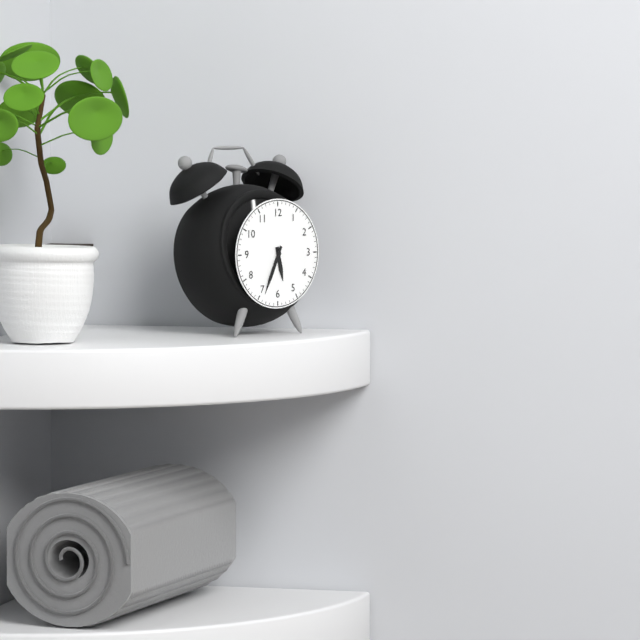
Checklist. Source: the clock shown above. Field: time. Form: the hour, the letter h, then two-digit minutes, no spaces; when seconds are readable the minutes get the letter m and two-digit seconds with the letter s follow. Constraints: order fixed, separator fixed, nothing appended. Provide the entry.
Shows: 5h34
